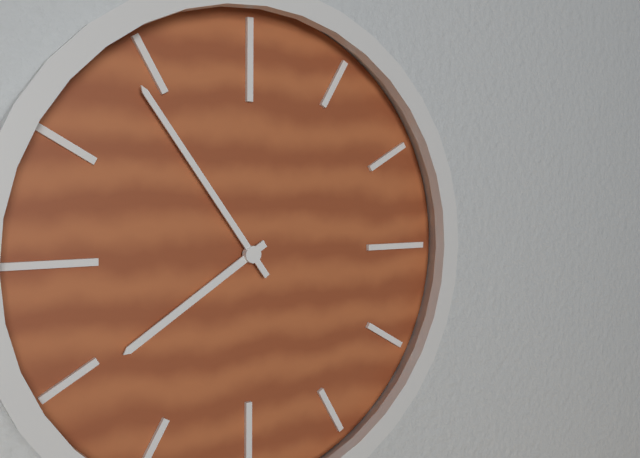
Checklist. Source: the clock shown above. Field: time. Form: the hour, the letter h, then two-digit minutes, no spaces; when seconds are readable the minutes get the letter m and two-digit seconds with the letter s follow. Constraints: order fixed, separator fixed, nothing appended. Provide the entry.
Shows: 7h54
